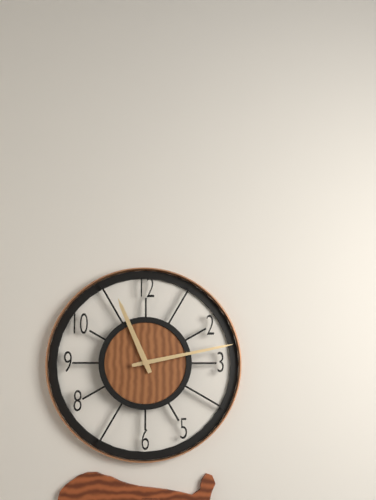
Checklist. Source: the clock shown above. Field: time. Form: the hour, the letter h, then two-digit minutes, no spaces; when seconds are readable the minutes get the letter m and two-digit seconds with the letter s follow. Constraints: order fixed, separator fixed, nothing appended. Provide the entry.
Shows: 11h13
